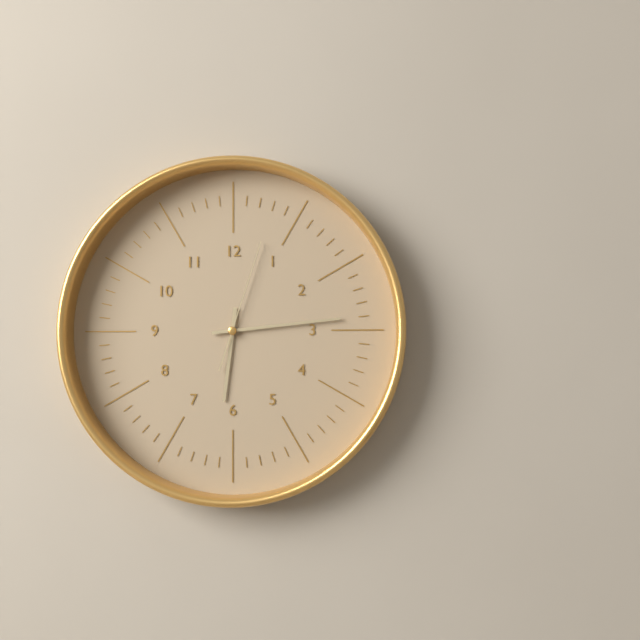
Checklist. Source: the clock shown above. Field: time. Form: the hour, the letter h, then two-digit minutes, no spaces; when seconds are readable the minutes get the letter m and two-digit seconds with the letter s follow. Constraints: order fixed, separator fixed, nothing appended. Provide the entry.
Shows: 6h14m03s
